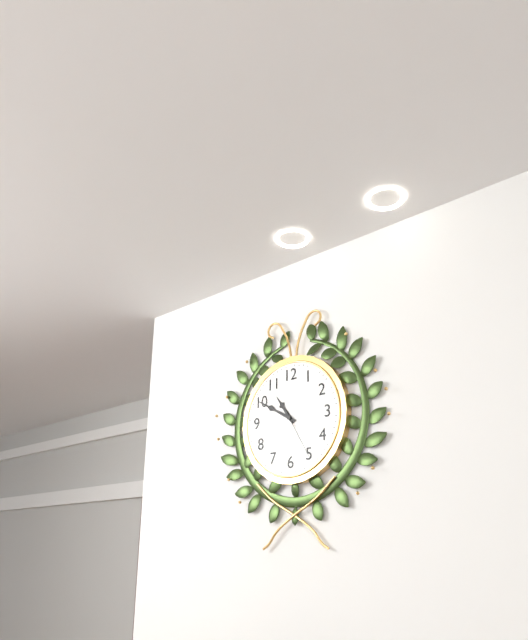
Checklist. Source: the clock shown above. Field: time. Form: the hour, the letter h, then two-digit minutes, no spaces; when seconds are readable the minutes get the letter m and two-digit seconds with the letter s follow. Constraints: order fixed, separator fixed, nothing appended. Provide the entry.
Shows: 10h50m25s
